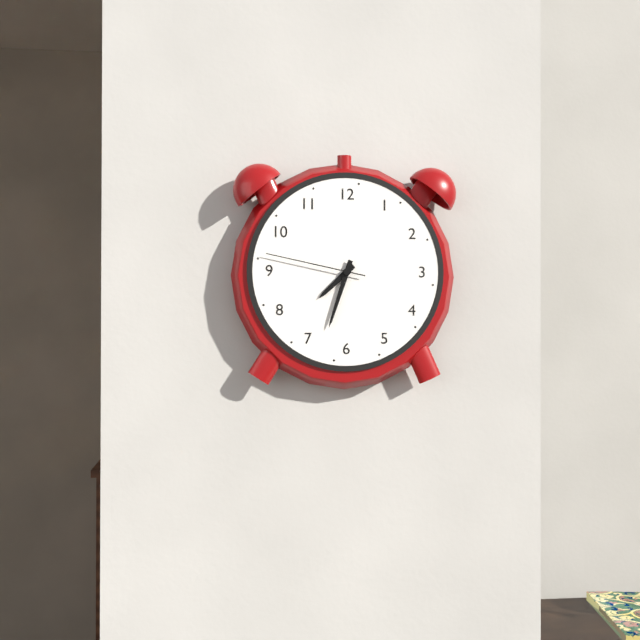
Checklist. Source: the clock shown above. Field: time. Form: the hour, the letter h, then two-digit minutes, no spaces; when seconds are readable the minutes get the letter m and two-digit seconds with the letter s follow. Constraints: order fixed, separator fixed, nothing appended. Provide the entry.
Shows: 7h33m47s
